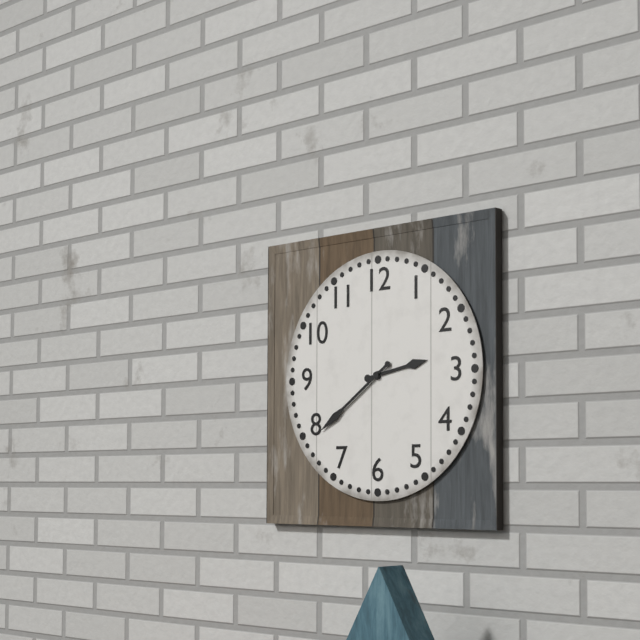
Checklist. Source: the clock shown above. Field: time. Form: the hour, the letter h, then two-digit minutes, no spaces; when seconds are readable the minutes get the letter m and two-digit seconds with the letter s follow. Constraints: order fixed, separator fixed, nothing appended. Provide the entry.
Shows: 2h39
